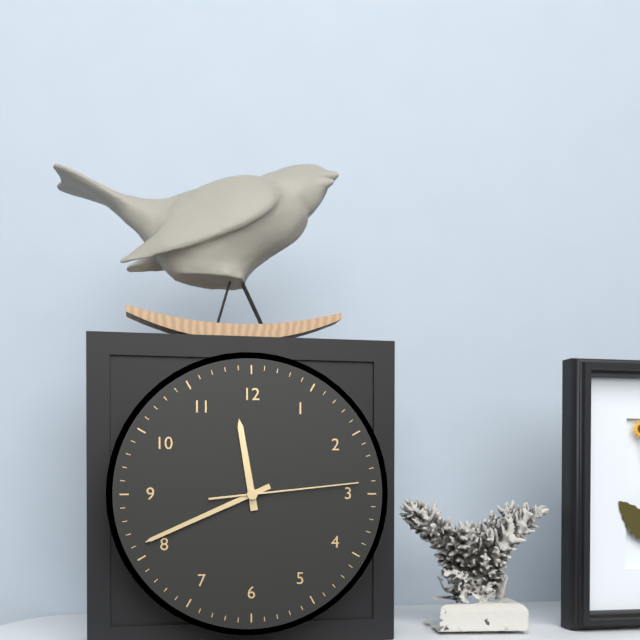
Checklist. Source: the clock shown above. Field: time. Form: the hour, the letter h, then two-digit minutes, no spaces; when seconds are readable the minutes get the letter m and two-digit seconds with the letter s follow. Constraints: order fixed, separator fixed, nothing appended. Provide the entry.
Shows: 11h41m14s
